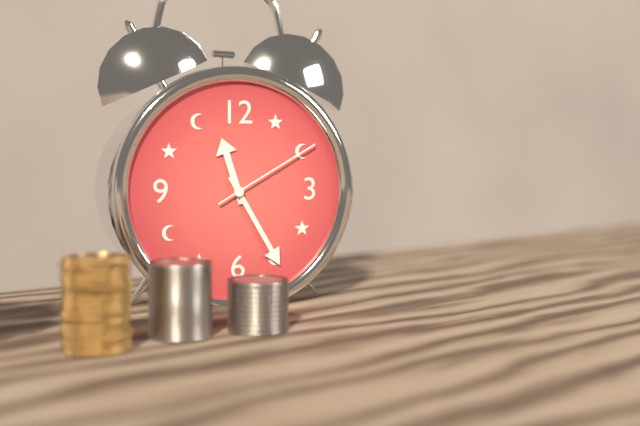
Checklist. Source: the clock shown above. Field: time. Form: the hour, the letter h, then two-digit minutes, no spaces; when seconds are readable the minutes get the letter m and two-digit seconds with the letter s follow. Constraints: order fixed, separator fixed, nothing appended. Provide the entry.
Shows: 11h25m10s
